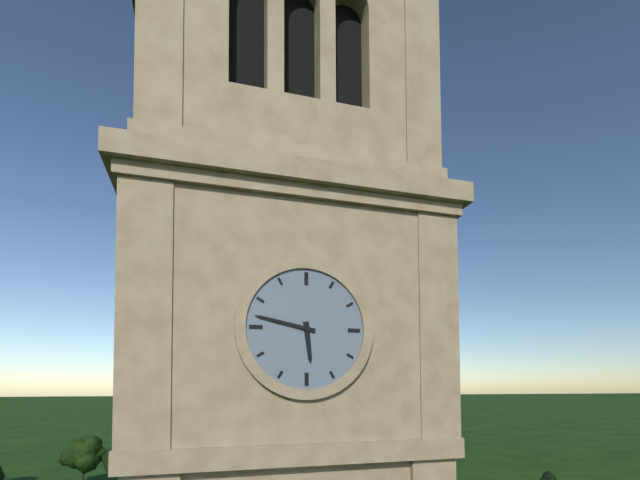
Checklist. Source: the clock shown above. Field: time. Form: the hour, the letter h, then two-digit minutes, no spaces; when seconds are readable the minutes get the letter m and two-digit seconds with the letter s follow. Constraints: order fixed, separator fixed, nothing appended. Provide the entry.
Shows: 5h47
